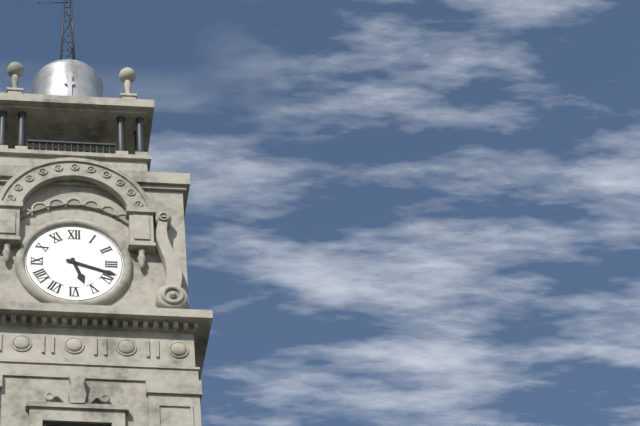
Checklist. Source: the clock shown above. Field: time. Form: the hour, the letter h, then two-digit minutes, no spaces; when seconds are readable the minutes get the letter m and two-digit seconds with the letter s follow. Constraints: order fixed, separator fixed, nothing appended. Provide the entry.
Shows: 5h18
